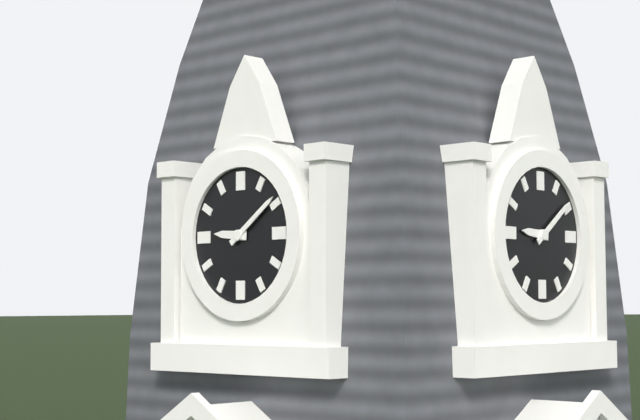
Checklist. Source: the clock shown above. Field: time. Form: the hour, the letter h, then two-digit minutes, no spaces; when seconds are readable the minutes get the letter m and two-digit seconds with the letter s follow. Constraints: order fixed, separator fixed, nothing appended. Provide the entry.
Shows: 9h09
